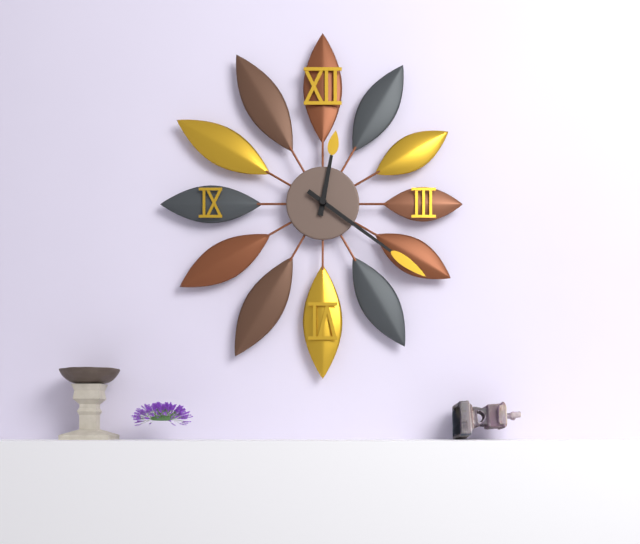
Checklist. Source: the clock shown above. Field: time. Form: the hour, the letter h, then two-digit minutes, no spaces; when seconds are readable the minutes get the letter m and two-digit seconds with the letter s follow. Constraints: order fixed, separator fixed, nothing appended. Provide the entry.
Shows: 12h21
